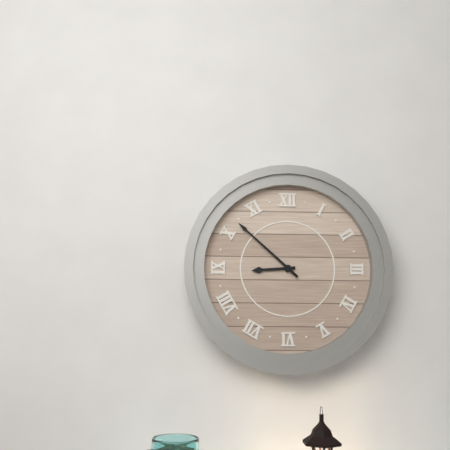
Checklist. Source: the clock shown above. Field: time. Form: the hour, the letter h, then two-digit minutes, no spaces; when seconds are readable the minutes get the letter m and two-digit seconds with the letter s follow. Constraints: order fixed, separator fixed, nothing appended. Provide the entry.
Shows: 8h52
